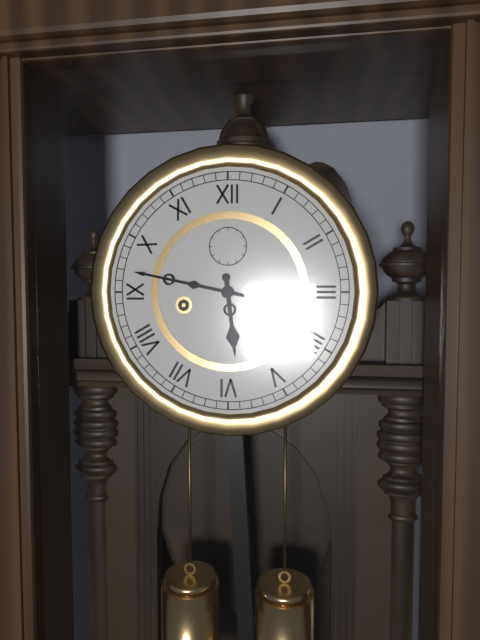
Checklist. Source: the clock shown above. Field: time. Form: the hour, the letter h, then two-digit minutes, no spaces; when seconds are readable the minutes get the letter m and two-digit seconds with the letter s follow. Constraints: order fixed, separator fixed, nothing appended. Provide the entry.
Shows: 5h47
